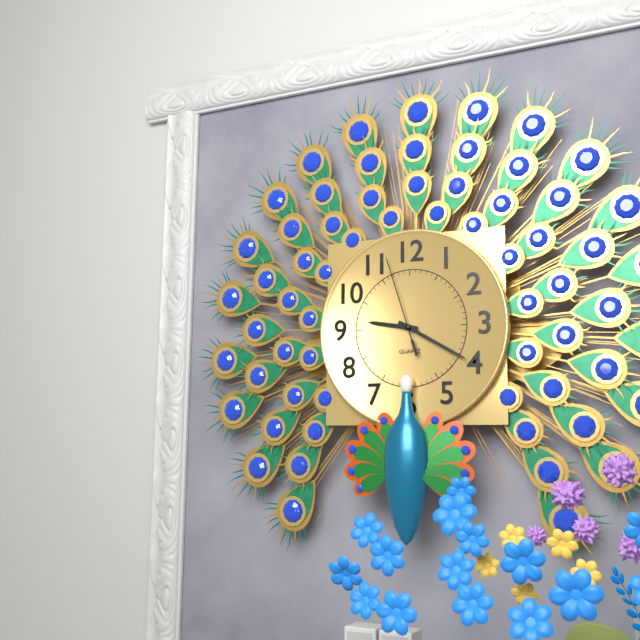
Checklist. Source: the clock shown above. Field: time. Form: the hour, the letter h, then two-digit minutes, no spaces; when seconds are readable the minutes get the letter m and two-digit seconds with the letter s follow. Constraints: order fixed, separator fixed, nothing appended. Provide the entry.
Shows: 9h20m57s
